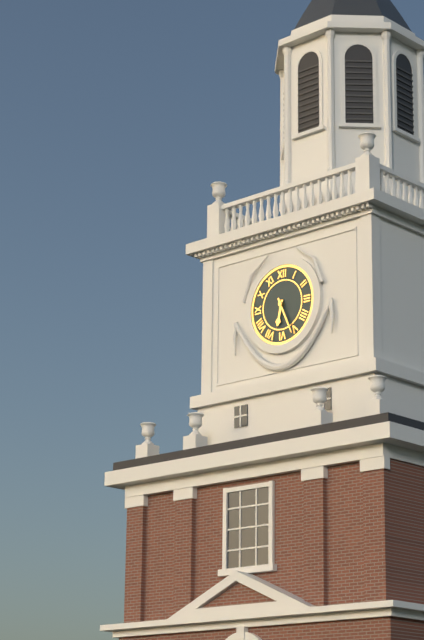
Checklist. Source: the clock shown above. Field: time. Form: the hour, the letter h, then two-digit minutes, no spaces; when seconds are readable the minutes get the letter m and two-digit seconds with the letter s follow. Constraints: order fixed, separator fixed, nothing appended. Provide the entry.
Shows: 6h26
